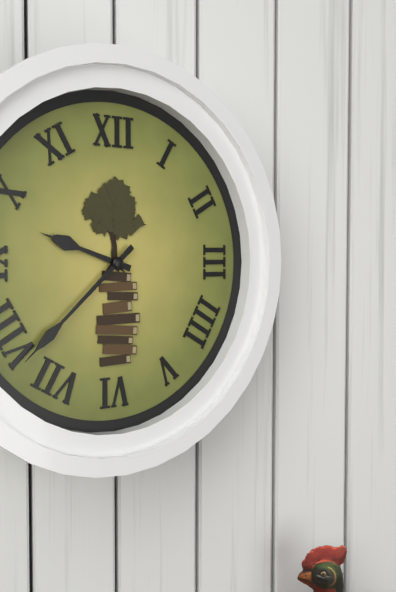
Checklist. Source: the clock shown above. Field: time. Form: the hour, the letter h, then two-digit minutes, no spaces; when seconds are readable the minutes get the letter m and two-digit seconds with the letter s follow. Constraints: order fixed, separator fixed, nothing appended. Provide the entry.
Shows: 9h38
